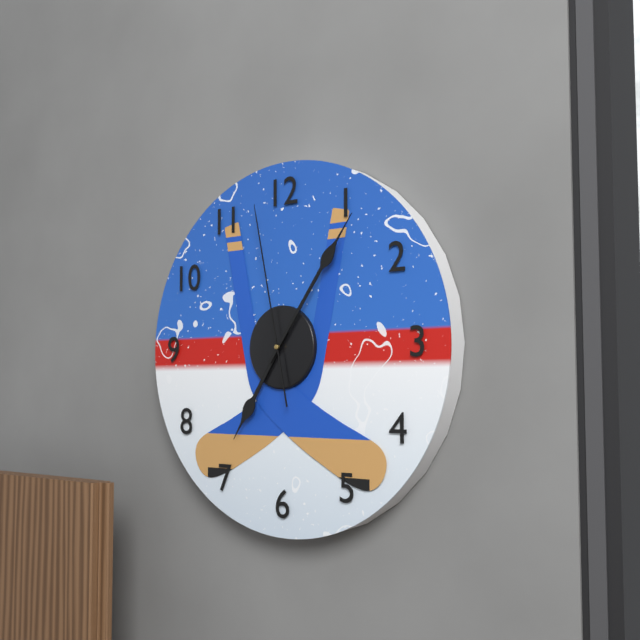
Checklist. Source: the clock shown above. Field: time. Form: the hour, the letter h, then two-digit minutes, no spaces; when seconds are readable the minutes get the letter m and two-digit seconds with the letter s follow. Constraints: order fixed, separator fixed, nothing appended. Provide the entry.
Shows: 7h06m58s
